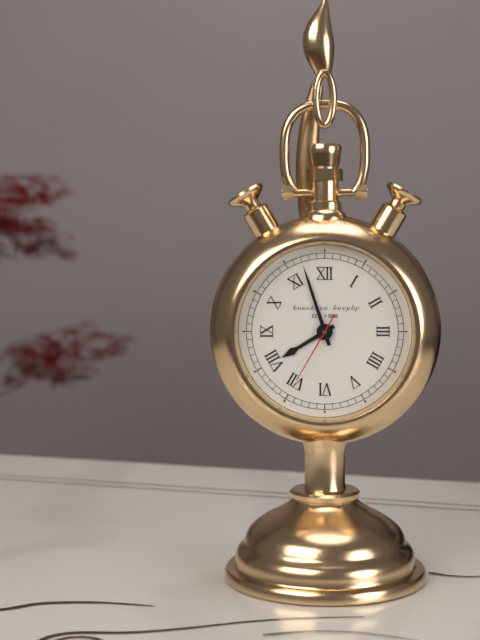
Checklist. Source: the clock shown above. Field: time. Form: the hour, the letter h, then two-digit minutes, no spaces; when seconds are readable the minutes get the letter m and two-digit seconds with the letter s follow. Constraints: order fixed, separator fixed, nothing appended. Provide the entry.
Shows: 7h57m35s
